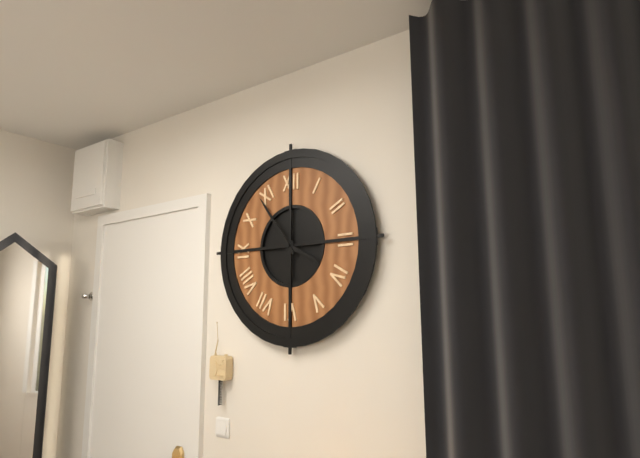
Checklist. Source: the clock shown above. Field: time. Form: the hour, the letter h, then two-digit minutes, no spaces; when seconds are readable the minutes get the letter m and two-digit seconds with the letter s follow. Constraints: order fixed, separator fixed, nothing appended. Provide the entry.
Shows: 3h54
